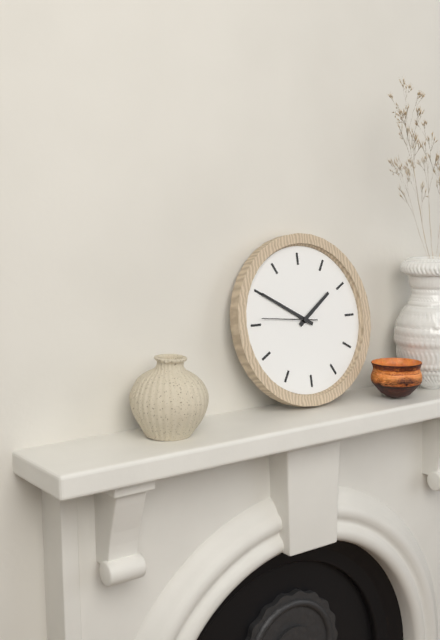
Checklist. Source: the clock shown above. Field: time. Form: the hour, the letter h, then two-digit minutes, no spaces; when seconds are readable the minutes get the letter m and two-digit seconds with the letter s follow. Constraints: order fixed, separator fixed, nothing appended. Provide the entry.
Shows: 1h50m46s
